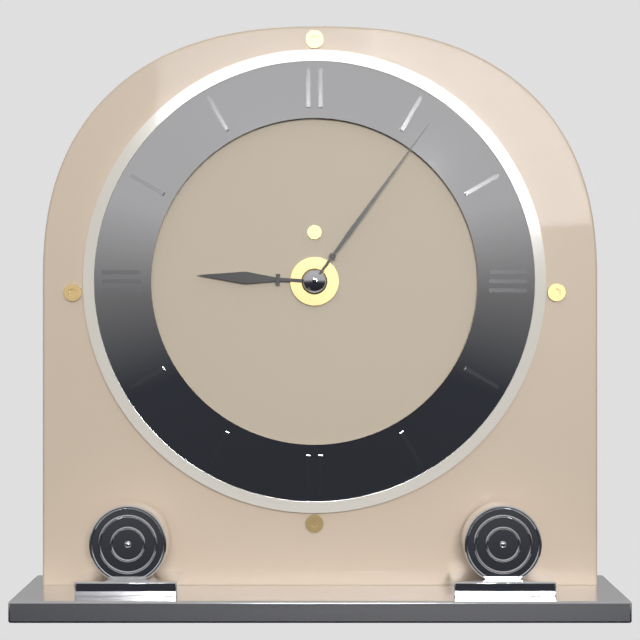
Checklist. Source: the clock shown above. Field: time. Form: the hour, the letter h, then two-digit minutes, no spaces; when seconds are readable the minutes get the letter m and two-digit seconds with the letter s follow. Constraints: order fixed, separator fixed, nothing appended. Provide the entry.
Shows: 9h06
